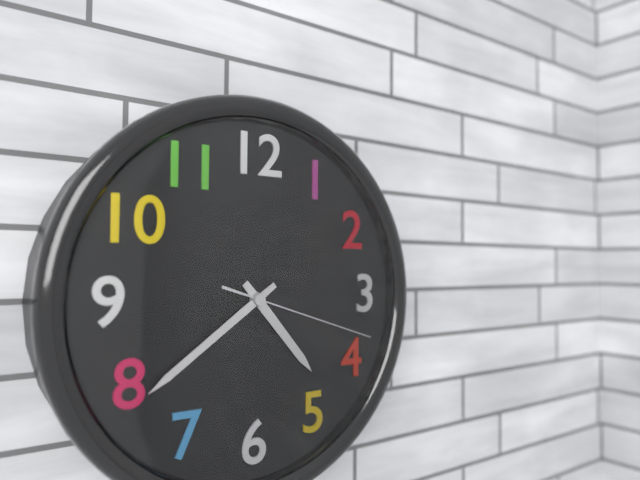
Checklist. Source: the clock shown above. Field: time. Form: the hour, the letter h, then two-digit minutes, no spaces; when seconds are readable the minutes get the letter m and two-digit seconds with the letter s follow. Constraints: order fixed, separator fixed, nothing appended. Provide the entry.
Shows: 4h39m18s
